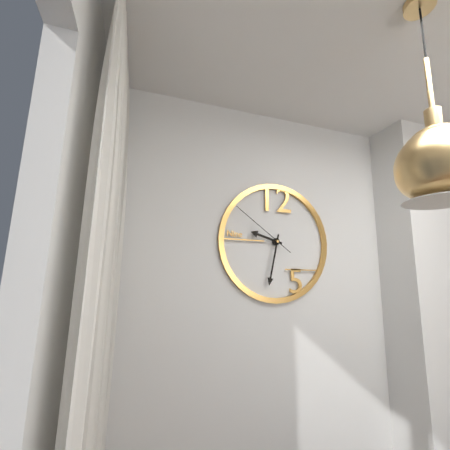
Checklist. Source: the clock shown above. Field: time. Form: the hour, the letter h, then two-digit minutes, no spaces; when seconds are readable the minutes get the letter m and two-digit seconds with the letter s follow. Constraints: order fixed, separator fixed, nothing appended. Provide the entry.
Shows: 9h32m51s
